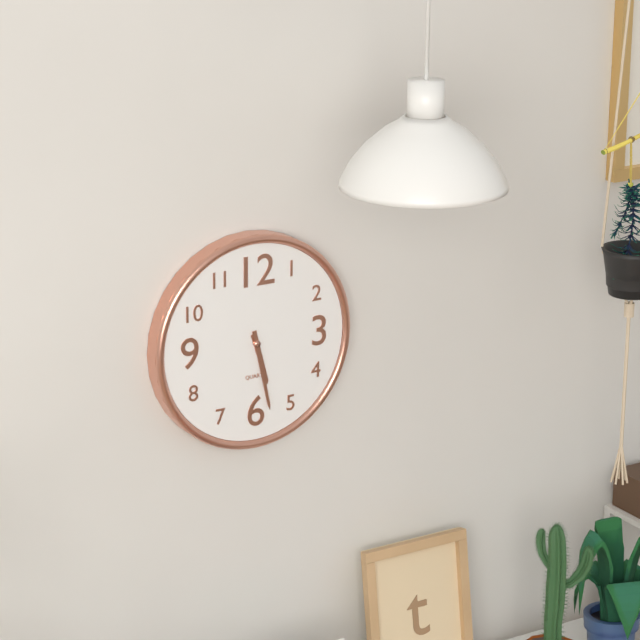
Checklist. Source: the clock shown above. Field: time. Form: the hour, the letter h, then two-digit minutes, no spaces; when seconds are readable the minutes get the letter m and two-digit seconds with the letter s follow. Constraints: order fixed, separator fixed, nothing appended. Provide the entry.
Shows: 5h28
